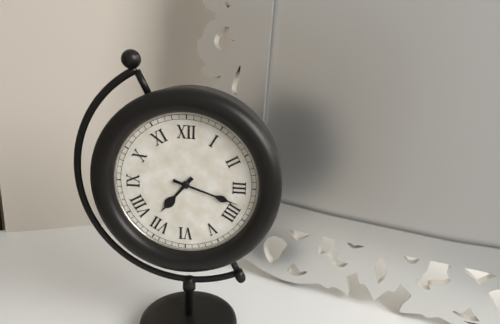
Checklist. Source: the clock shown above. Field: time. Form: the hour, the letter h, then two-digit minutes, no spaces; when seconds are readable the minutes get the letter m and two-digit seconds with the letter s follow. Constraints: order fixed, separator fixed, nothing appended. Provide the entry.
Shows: 7h18
